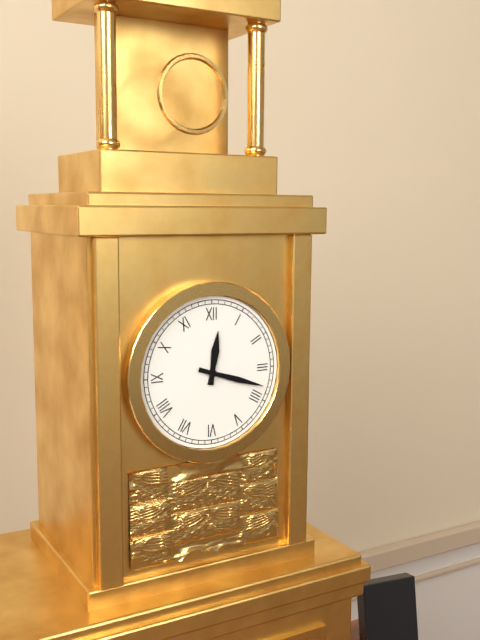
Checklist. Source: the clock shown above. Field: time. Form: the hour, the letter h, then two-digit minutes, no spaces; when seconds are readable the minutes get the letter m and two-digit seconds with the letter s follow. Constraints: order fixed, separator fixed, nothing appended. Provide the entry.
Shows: 12h18
